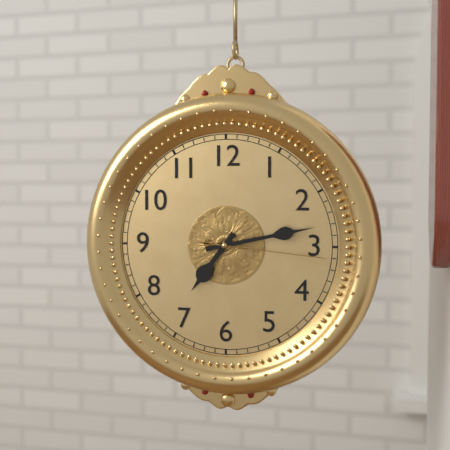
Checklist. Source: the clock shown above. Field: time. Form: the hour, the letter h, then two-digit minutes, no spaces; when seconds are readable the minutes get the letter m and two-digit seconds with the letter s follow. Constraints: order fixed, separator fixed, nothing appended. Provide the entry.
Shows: 7h13m16s
